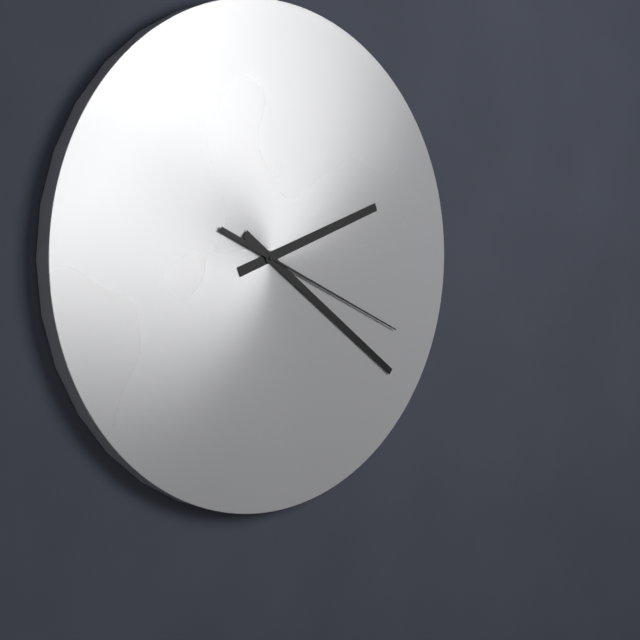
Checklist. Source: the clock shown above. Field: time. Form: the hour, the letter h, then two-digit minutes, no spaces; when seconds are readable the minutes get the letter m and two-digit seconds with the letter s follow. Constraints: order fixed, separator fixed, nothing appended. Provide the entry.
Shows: 2h21m19s
